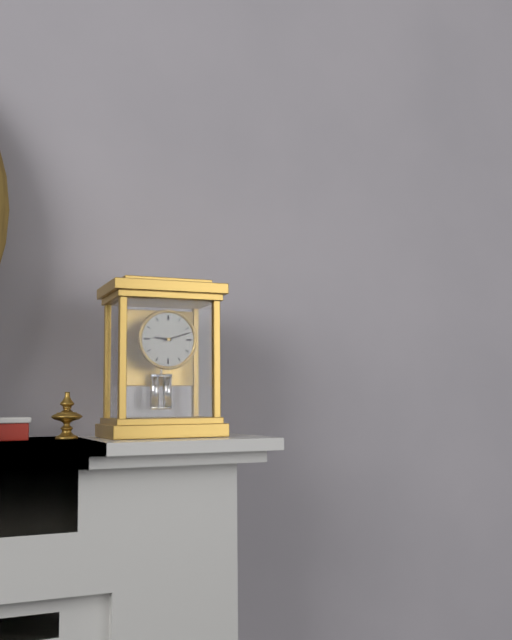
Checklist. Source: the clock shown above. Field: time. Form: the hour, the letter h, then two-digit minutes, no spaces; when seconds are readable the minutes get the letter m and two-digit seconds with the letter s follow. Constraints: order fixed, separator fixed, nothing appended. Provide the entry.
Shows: 9h12
